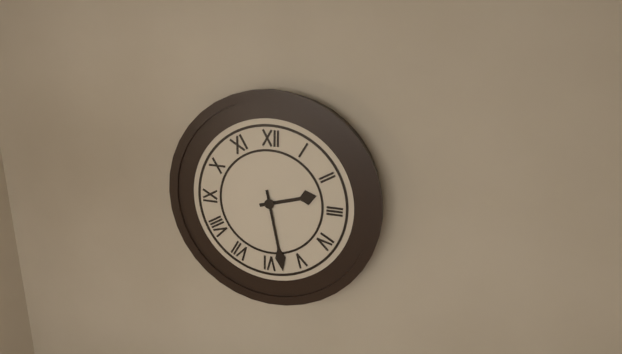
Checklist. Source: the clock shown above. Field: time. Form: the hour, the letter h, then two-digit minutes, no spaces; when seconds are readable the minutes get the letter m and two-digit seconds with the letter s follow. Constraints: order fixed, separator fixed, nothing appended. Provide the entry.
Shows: 2h28
